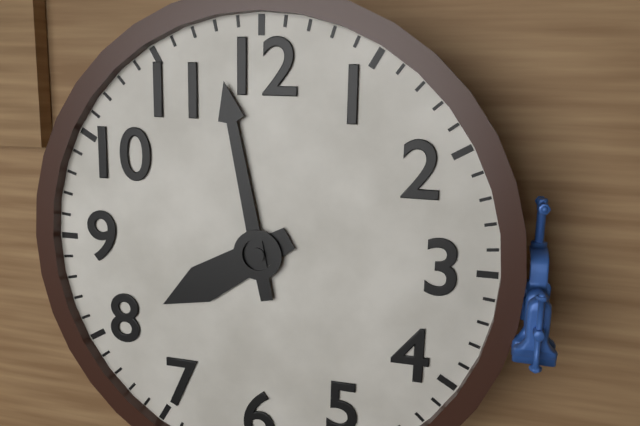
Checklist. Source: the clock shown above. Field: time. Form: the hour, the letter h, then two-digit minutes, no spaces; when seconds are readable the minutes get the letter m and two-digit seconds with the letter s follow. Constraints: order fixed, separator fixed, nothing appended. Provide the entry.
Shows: 7h58
